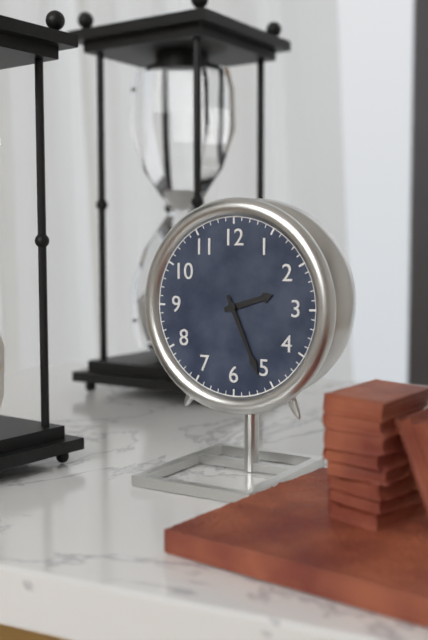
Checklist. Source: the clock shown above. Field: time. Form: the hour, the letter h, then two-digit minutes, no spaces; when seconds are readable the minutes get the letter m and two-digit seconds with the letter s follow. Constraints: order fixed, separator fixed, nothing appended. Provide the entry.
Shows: 2h26
